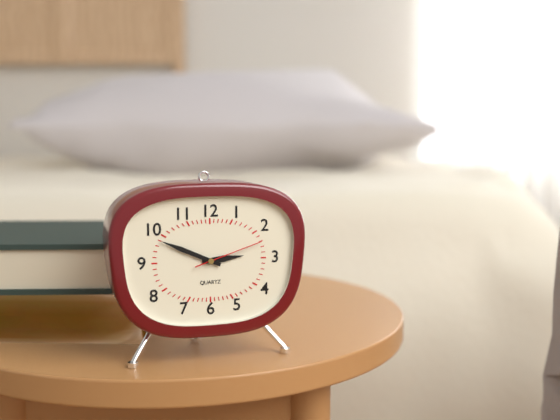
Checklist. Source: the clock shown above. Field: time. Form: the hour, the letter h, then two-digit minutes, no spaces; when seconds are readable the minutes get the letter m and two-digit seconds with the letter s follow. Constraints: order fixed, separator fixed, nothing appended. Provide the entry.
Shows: 2h49m12s
